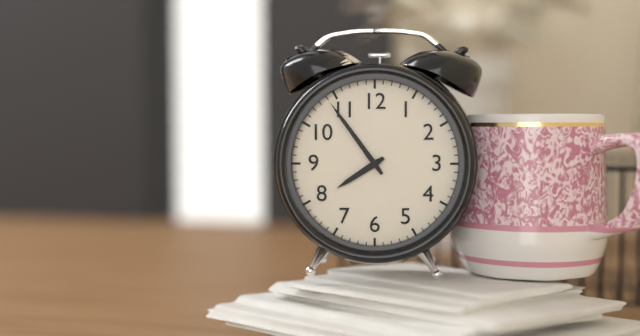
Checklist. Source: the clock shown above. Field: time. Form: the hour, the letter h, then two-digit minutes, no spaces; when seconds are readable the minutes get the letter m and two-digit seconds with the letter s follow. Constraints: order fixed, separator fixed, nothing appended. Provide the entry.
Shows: 7h54
